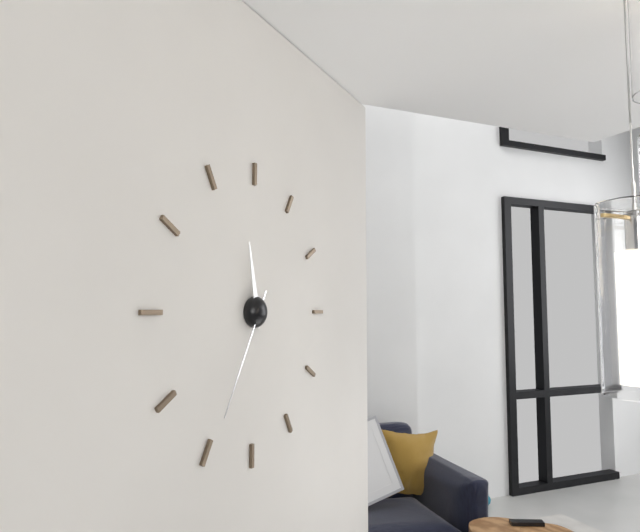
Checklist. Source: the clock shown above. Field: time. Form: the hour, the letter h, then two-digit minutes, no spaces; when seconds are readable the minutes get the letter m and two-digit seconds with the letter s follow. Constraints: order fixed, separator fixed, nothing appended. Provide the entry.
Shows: 11h35
